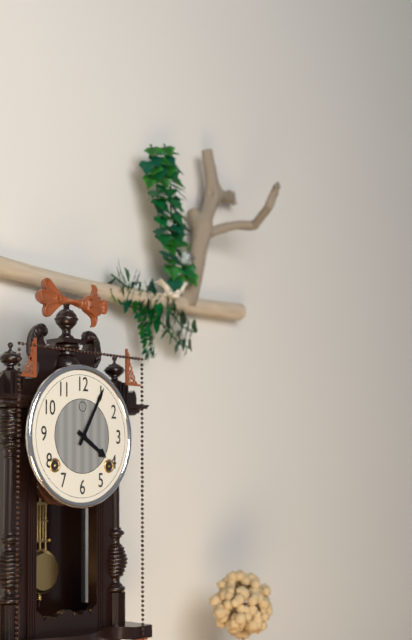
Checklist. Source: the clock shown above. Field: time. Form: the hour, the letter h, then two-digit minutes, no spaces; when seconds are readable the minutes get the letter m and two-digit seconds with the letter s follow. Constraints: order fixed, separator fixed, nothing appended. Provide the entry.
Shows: 4h05
